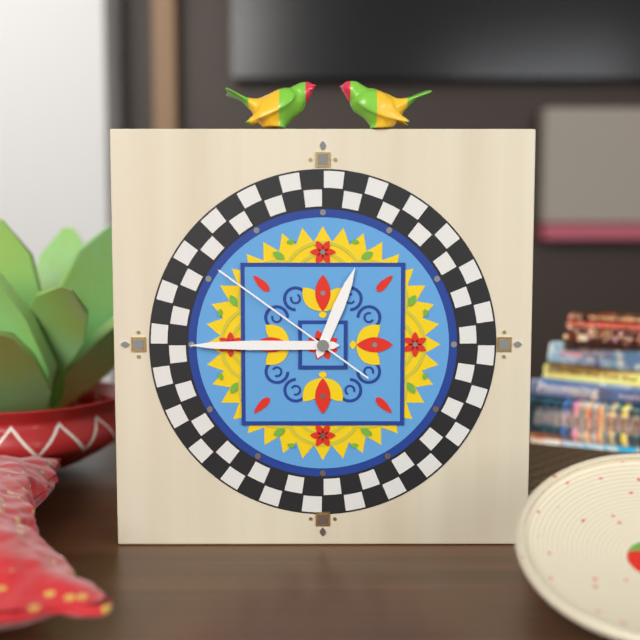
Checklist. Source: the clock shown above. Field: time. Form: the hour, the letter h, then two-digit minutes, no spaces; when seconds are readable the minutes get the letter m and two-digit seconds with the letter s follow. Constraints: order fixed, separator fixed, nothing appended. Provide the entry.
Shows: 12h45m51s
